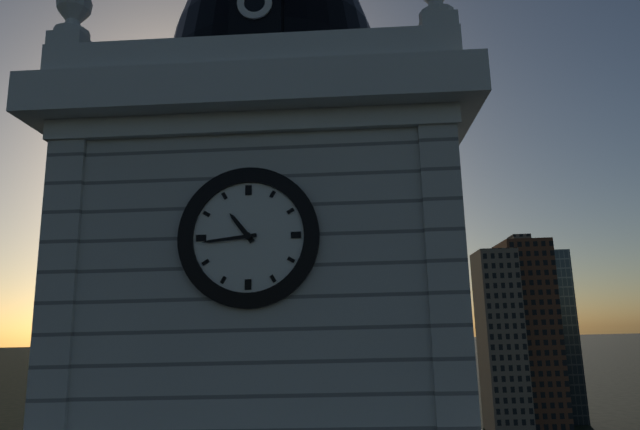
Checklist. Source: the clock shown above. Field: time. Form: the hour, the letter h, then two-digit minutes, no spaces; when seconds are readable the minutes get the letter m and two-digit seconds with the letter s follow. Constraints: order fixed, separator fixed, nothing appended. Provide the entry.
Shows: 10h44
